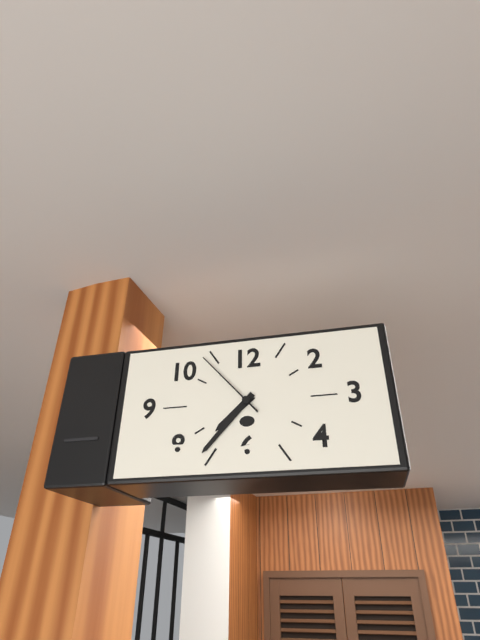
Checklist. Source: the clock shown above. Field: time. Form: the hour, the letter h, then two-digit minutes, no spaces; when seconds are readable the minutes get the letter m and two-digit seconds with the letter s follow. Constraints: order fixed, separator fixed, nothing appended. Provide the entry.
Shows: 7h37m53s
